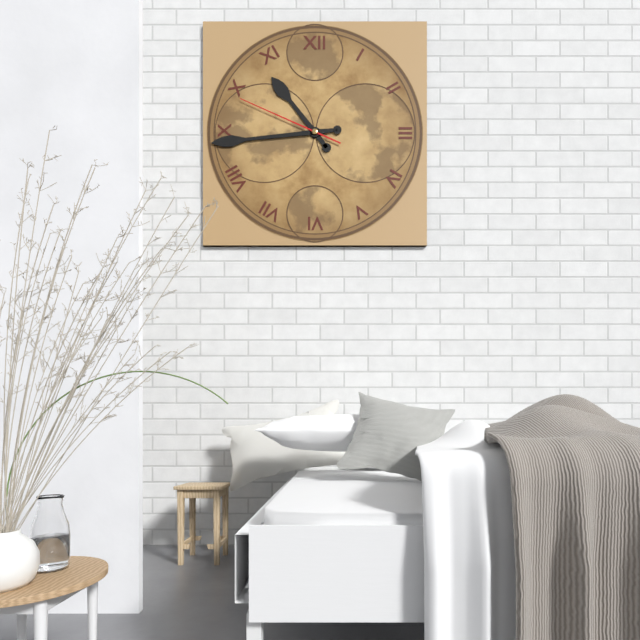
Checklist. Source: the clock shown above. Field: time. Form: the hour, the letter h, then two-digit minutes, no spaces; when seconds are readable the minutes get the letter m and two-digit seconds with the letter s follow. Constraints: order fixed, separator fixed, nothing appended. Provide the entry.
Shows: 10h44m49s
